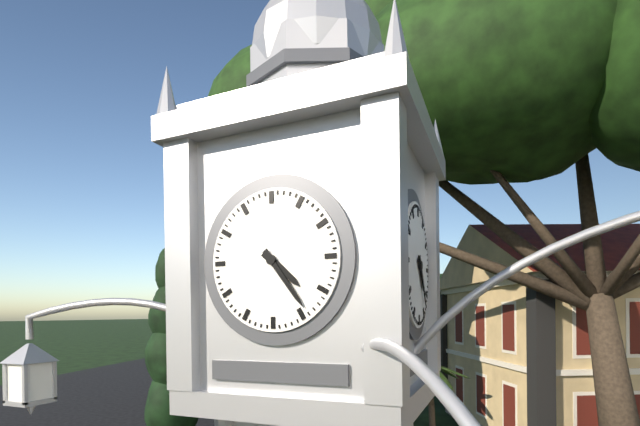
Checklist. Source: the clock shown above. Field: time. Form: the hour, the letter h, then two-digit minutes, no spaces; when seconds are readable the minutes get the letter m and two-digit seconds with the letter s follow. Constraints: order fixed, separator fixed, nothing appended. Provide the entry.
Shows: 4h24
